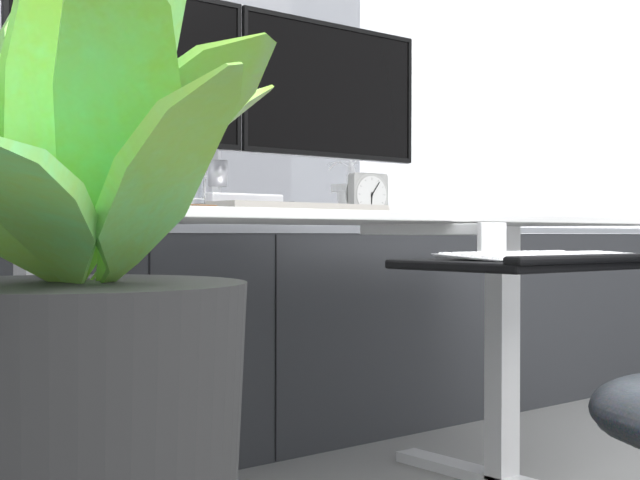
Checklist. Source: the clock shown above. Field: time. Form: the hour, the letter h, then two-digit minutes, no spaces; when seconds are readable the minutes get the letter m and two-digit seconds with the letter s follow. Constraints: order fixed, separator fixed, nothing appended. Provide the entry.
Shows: 6h06
